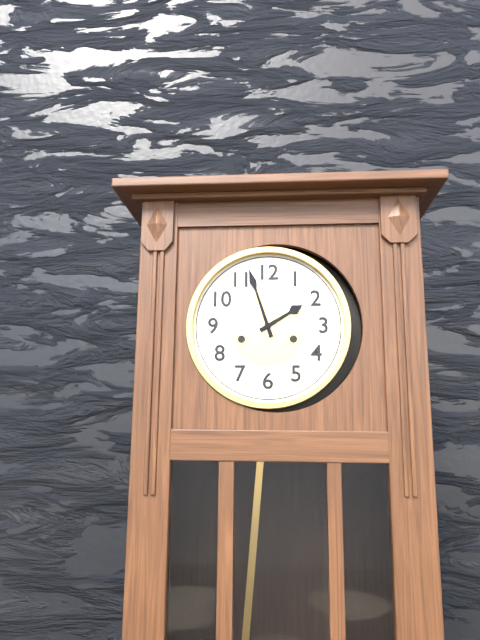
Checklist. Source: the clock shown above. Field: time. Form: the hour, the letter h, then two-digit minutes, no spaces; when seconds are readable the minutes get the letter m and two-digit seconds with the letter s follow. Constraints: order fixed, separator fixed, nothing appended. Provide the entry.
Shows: 1h57
